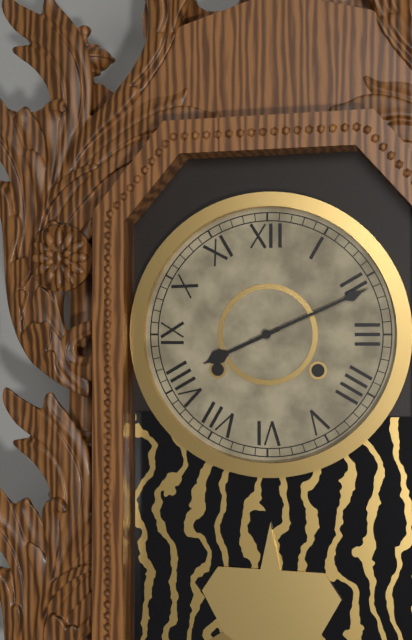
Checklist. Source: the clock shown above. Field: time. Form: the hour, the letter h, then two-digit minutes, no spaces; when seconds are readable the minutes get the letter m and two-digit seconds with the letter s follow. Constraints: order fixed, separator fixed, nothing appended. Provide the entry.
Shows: 8h11
